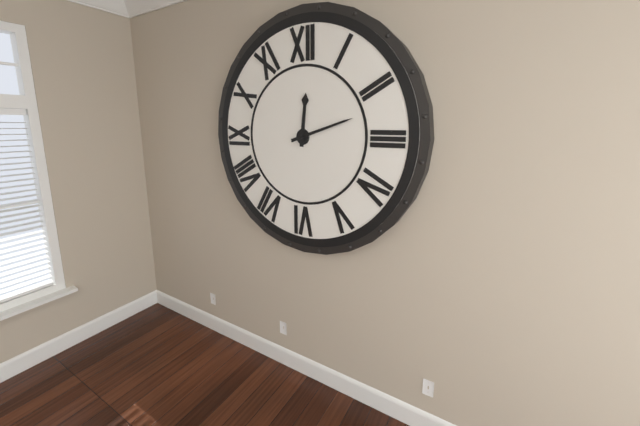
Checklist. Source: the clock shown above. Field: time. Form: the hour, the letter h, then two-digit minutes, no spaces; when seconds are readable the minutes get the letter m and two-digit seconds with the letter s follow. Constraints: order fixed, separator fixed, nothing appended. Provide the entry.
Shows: 12h12
